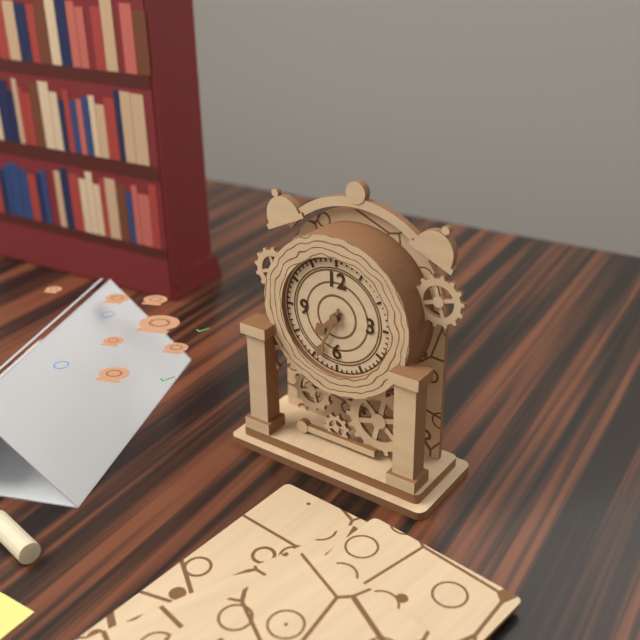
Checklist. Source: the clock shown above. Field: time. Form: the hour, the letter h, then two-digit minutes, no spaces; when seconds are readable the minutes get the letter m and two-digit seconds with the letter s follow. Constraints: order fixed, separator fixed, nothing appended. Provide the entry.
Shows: 7h34
